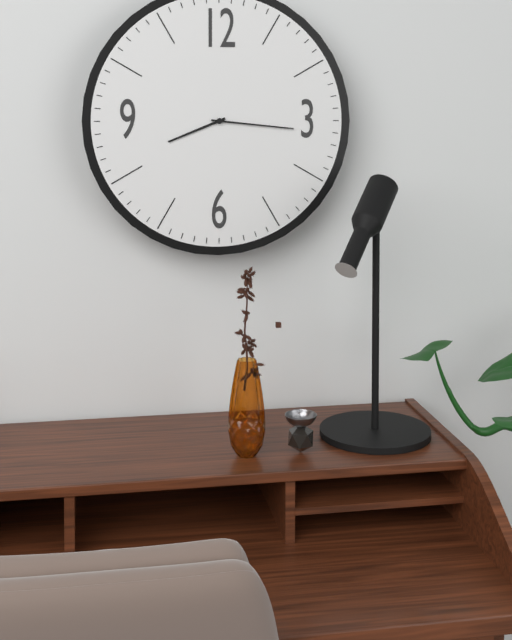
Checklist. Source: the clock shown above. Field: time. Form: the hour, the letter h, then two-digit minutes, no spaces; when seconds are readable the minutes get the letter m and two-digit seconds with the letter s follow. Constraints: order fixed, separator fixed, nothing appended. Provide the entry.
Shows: 8h16
